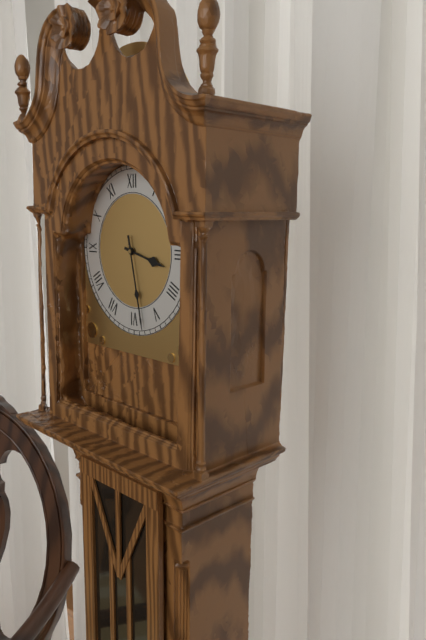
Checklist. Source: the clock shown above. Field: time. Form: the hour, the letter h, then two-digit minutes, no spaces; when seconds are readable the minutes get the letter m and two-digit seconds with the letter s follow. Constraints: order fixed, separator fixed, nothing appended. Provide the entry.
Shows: 3h28
